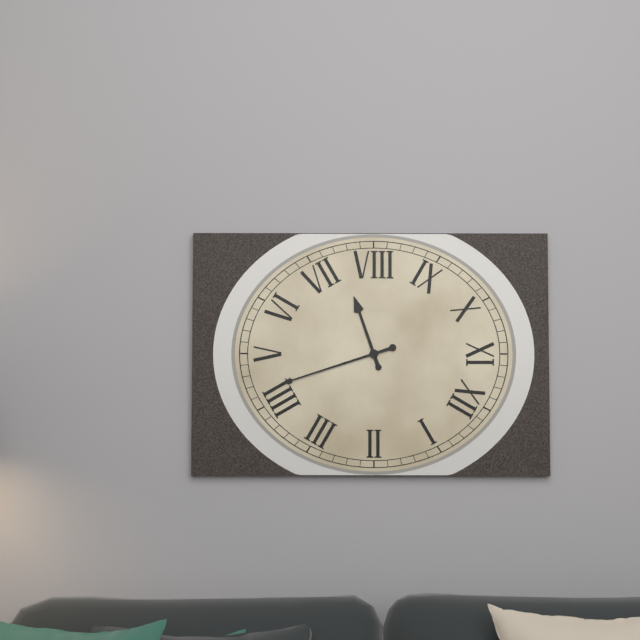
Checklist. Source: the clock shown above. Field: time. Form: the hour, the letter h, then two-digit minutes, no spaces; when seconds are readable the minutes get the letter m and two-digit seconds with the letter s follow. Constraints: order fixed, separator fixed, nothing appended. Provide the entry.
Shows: 7h22
